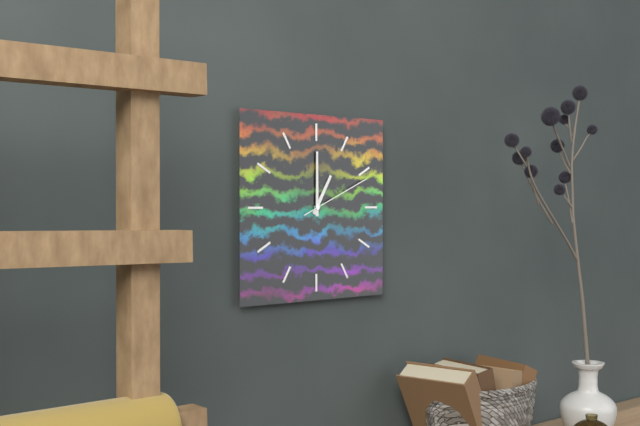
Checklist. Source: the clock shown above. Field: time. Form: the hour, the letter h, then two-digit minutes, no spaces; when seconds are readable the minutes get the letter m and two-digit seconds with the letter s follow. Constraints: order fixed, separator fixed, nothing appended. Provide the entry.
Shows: 1h00m11s
